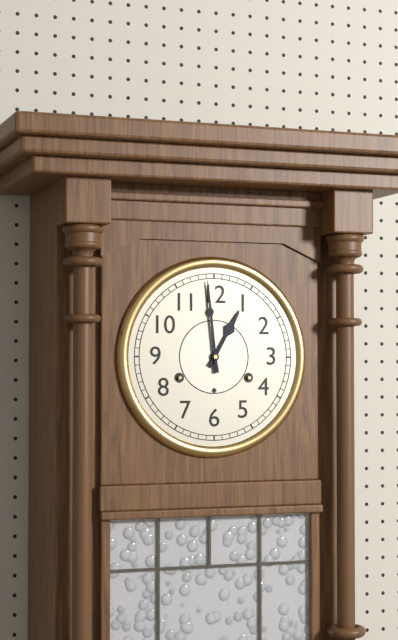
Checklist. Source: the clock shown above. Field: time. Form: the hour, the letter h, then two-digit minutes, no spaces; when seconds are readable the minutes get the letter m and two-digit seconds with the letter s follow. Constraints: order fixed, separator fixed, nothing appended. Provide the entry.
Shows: 12h59
